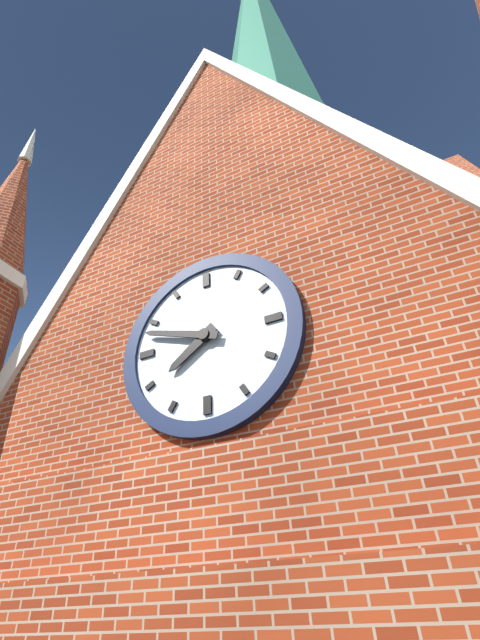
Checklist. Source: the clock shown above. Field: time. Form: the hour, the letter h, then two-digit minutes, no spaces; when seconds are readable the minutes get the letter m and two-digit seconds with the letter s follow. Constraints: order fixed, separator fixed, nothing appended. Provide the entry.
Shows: 7h48
